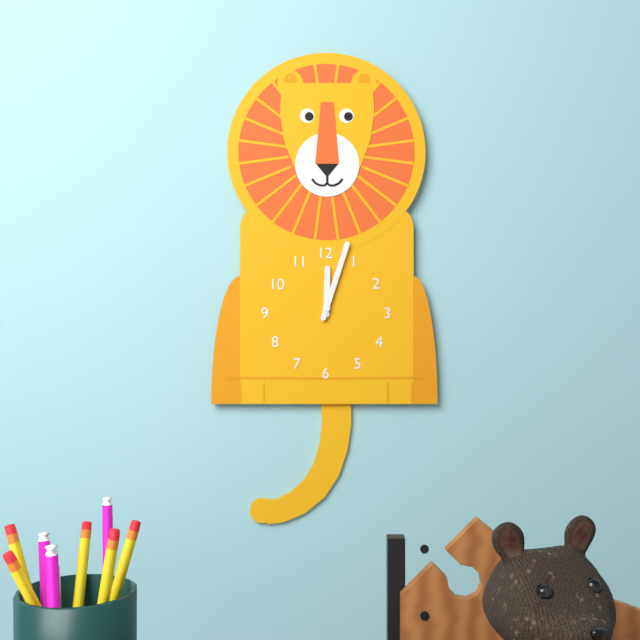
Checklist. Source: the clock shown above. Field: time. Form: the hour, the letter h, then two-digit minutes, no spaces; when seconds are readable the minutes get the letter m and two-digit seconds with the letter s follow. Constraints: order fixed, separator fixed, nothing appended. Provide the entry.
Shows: 12h03
